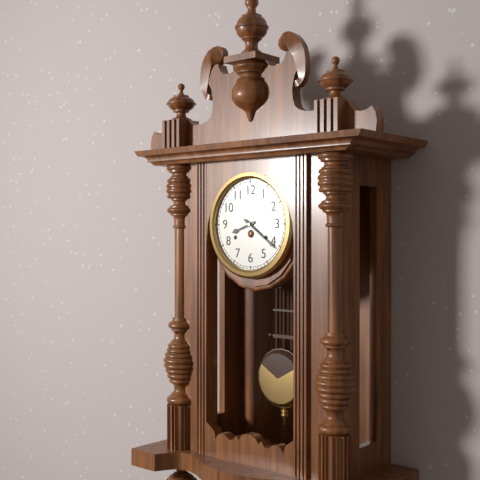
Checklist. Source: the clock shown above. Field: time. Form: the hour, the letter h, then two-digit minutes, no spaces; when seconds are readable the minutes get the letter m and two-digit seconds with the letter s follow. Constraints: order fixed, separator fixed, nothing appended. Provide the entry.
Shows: 8h21
